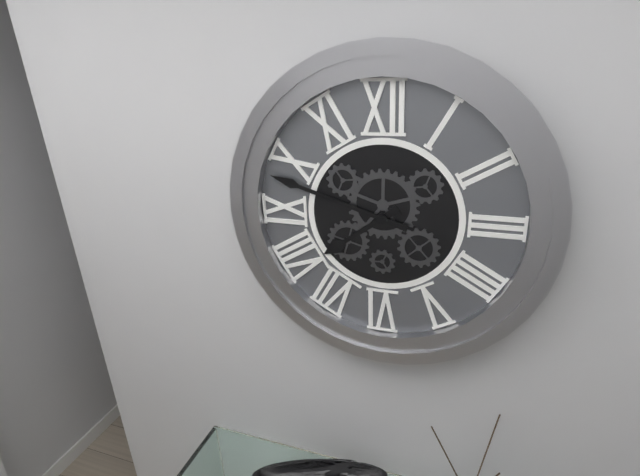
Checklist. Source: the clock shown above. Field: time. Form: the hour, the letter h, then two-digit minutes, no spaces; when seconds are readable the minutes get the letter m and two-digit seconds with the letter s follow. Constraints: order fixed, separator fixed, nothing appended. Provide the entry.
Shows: 7h48
